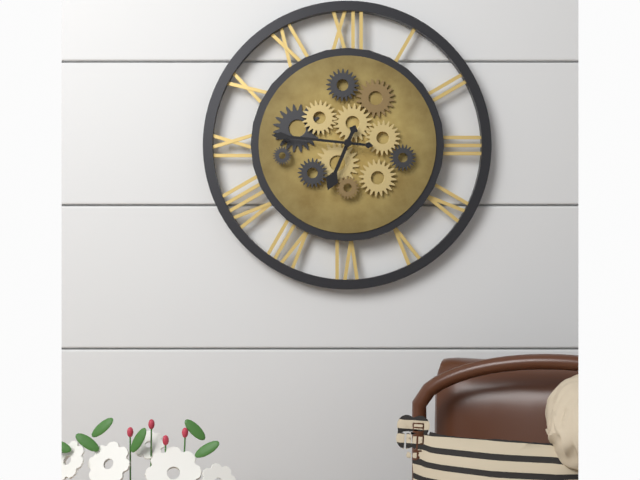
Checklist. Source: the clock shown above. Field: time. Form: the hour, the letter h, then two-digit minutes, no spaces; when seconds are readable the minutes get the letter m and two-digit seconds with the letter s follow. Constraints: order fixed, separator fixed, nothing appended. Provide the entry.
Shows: 6h46
